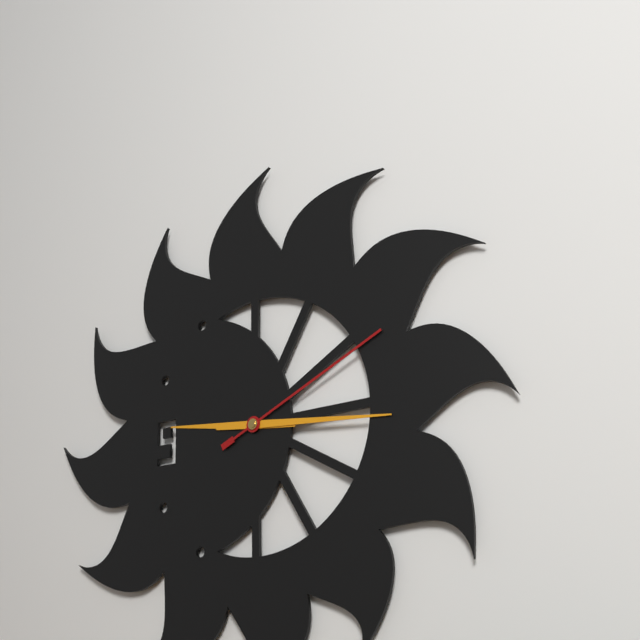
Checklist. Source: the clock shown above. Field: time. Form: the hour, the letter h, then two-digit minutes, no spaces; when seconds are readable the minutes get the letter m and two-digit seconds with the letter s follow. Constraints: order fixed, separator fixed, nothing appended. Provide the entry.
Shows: 9h16m11s
